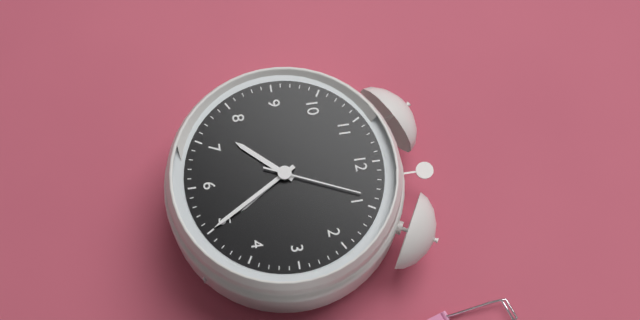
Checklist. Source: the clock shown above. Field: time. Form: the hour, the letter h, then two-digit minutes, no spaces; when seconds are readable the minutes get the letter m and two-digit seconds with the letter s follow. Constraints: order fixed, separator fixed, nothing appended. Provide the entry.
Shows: 7h25m04s
